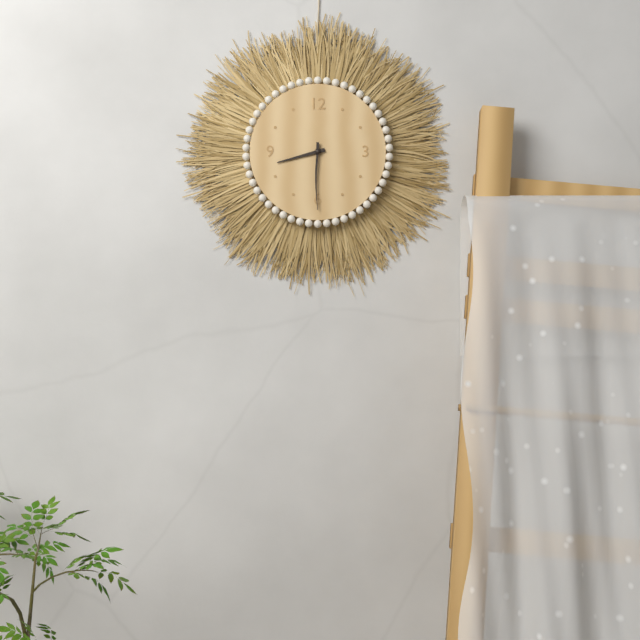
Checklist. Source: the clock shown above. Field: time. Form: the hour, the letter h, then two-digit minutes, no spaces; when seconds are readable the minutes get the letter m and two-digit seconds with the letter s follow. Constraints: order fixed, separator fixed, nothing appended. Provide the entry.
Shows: 8h30
